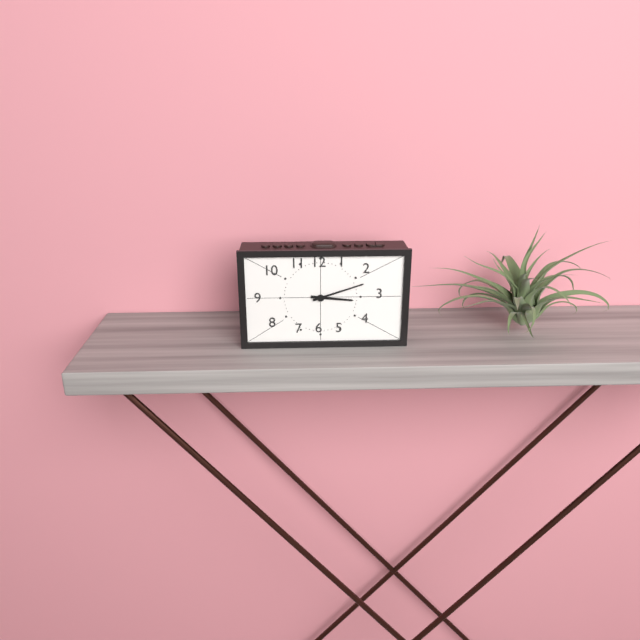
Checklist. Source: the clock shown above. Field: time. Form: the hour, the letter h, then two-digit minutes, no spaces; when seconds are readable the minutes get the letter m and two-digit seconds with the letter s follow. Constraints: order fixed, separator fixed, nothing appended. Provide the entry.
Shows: 3h12
